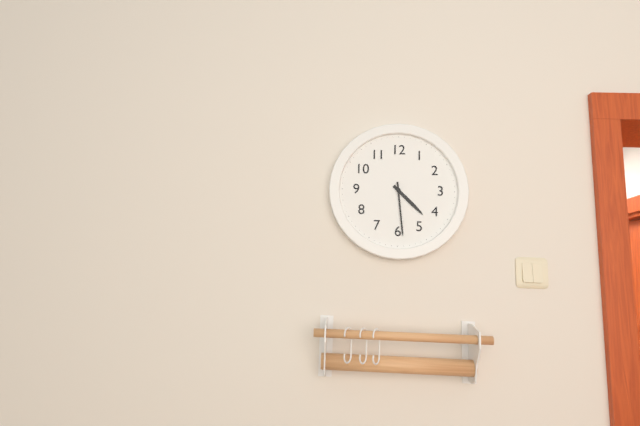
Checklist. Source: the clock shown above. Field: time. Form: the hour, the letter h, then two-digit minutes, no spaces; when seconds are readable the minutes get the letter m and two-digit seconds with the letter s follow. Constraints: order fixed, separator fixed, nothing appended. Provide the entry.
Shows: 4h29
